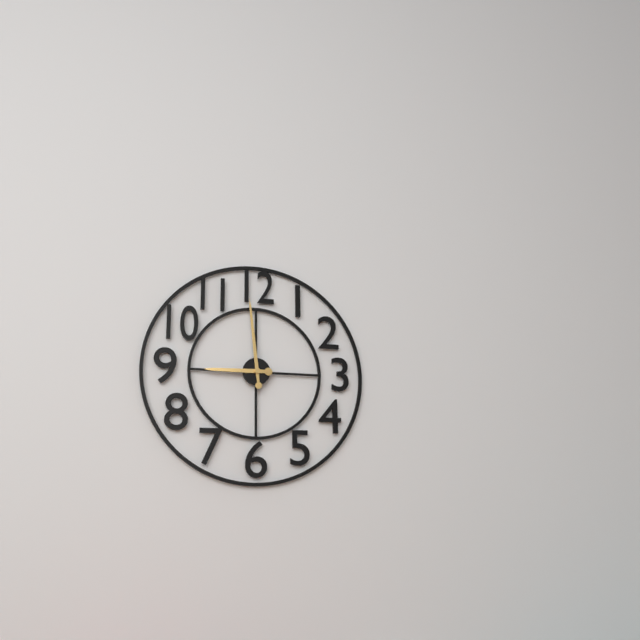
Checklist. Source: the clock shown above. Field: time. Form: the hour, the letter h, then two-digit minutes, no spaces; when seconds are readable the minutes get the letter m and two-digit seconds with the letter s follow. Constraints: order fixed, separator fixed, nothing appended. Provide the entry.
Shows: 8h59
